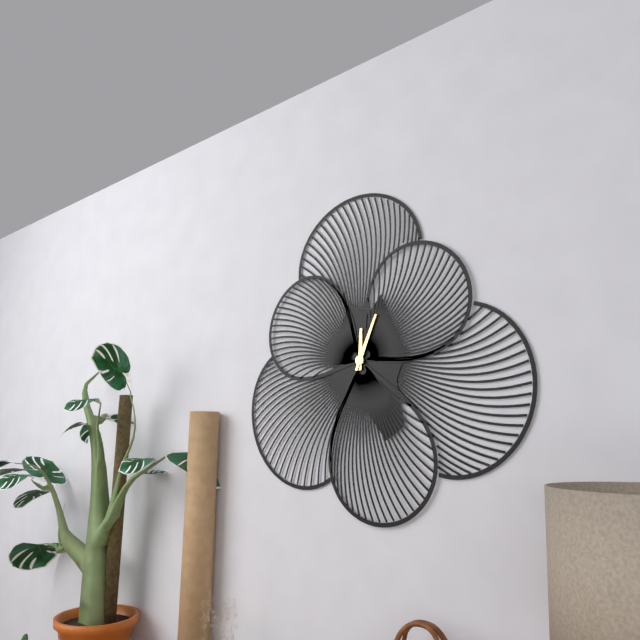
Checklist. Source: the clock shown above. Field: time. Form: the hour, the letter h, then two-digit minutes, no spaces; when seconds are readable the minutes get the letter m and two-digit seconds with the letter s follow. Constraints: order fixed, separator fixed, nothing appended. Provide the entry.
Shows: 12h04
